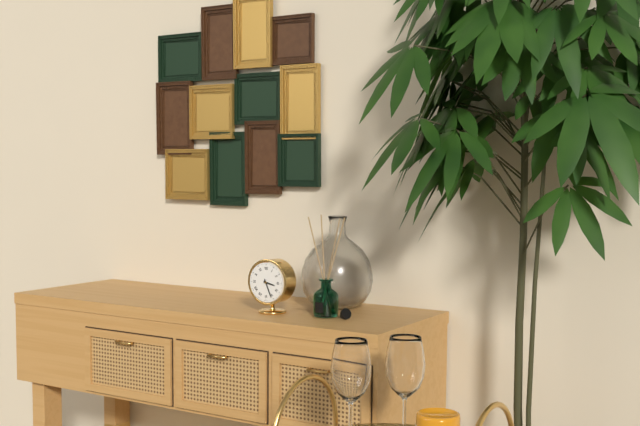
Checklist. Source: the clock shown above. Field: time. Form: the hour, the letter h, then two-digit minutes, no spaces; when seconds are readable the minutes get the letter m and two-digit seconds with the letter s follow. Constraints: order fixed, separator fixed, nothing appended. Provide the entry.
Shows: 3h26
